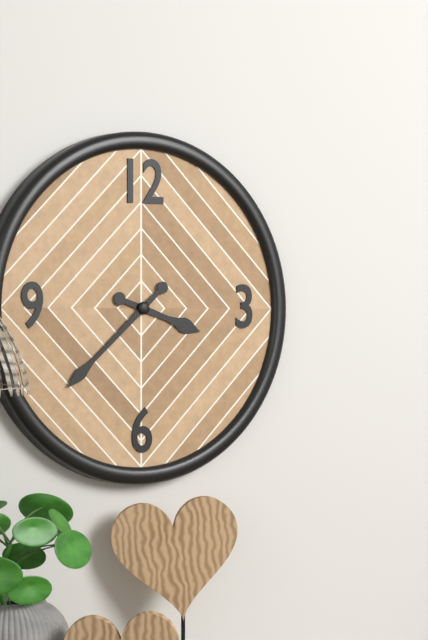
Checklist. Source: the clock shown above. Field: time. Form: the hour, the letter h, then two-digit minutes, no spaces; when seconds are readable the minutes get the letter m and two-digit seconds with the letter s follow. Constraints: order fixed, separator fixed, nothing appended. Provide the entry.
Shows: 3h38
